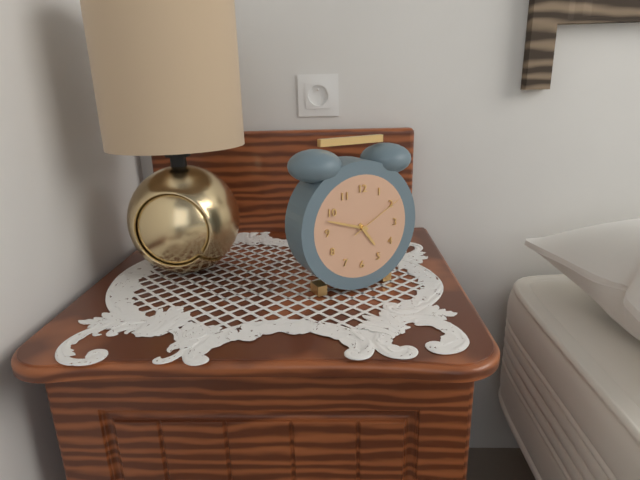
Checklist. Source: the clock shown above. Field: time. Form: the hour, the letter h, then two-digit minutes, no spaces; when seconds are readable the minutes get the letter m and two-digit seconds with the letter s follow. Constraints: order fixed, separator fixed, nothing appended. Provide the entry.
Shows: 4h48m10s
